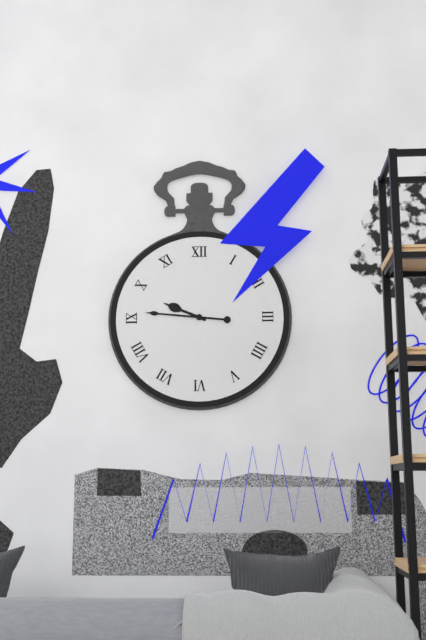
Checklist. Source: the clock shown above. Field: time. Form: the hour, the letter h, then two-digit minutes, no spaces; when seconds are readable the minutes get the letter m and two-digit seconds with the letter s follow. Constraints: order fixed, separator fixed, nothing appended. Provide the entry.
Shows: 9h46
